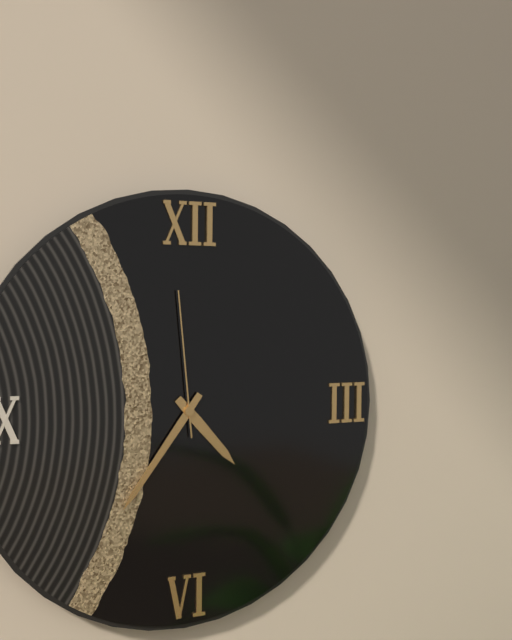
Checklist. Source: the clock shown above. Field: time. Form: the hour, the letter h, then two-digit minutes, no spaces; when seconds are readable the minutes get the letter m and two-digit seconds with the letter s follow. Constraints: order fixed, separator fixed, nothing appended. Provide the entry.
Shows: 4h36m59s
